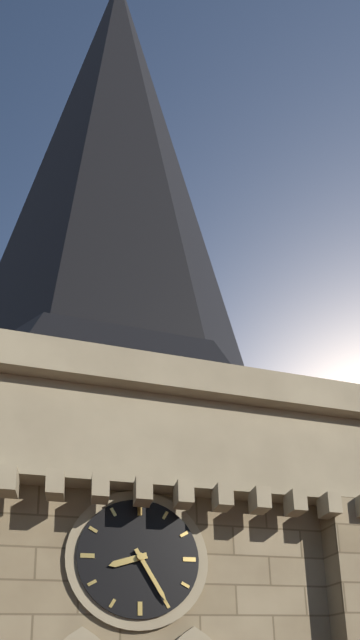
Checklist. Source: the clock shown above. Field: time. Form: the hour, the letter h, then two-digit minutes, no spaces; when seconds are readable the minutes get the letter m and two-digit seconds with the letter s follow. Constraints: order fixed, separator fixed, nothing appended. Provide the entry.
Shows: 8h25
